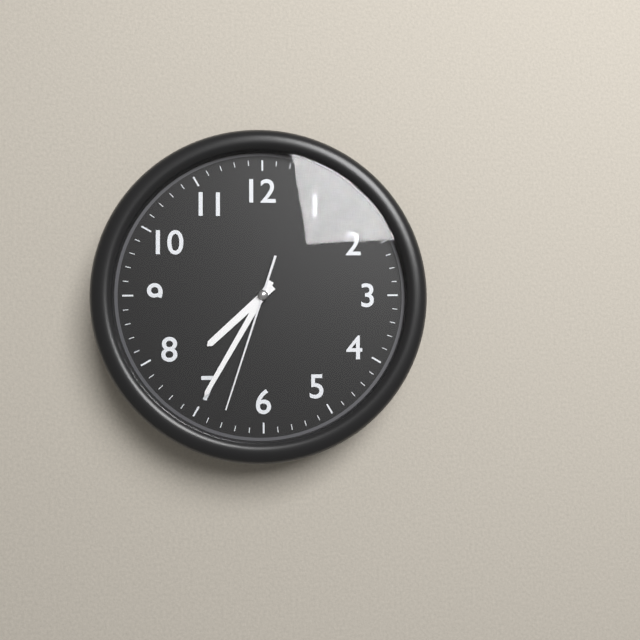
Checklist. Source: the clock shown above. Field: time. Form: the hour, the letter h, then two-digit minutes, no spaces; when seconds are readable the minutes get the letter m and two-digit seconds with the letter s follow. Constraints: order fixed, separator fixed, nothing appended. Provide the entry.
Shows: 7h35m33s
